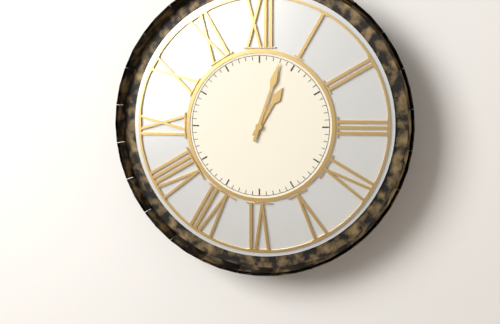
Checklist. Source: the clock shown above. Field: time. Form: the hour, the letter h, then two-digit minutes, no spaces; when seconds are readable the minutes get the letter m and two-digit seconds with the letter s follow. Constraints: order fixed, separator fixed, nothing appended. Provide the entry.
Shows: 1h03
